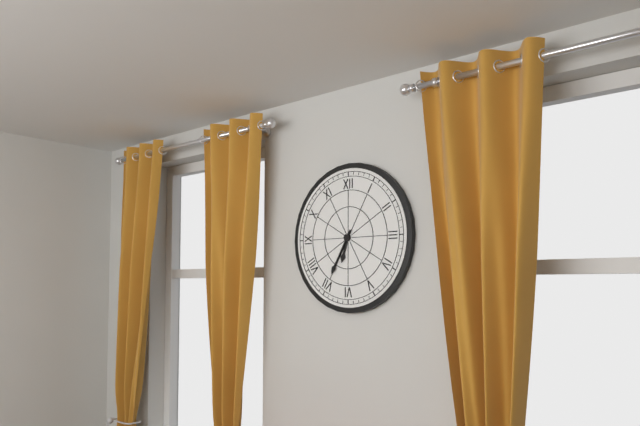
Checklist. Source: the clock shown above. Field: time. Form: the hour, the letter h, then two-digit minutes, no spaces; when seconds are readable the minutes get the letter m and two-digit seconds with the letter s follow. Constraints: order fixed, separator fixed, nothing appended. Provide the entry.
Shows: 6h35
